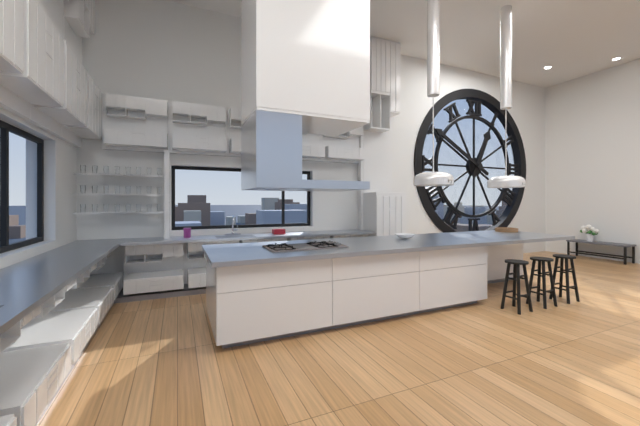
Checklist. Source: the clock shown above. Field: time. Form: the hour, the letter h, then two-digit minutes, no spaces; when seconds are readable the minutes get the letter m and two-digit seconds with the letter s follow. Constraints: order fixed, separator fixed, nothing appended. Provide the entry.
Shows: 12h50
